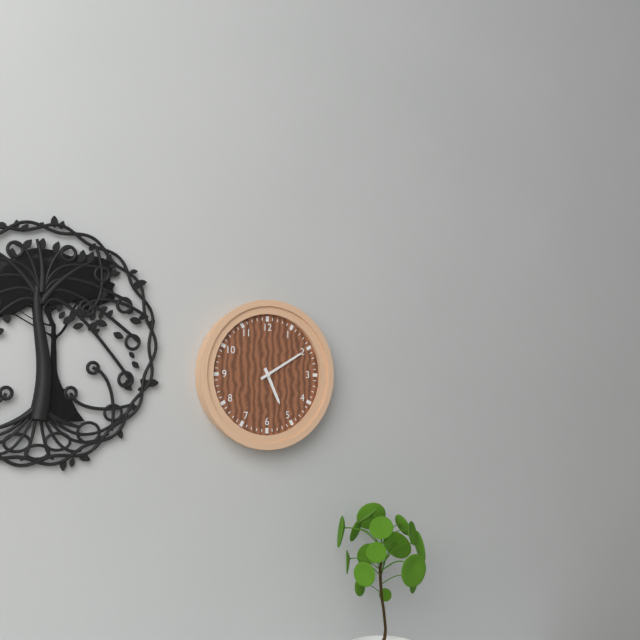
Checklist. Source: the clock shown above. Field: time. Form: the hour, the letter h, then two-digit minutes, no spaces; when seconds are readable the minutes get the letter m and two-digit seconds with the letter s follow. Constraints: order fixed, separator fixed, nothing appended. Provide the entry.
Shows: 5h10
